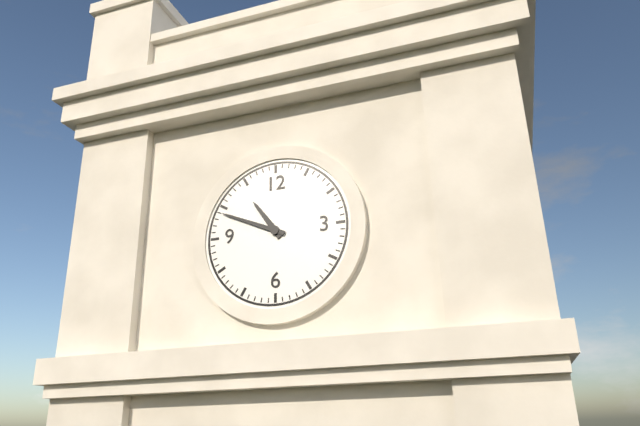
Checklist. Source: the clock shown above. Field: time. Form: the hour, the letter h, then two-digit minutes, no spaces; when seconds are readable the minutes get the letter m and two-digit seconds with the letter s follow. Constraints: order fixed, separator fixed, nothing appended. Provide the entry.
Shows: 10h49
